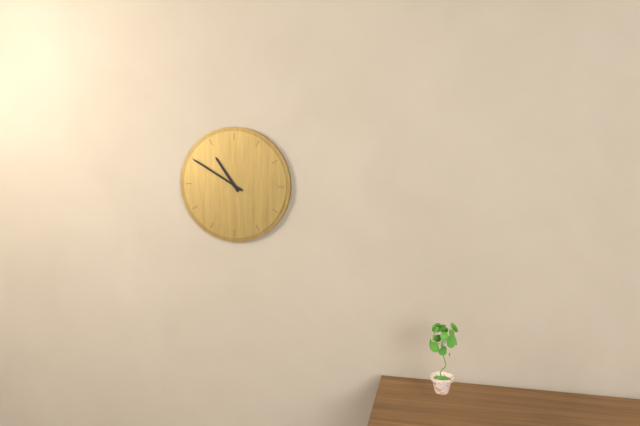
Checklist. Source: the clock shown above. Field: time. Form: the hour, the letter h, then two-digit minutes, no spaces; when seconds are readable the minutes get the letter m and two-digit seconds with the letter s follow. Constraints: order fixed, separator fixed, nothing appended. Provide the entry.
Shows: 10h50
